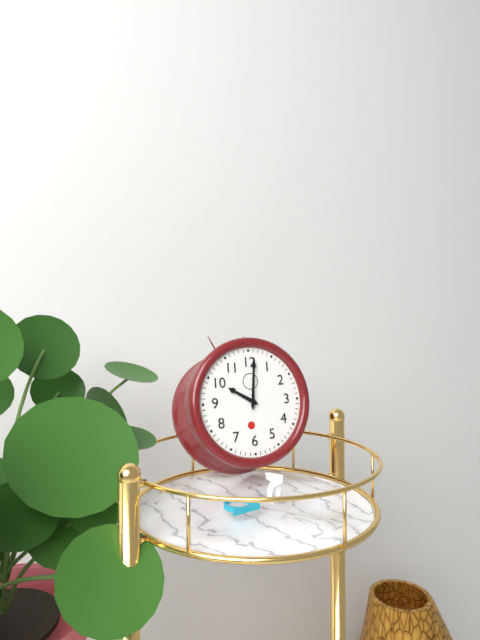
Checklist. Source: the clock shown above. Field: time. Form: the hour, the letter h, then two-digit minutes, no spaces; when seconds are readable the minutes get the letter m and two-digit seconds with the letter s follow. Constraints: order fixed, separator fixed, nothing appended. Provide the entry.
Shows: 10h01
